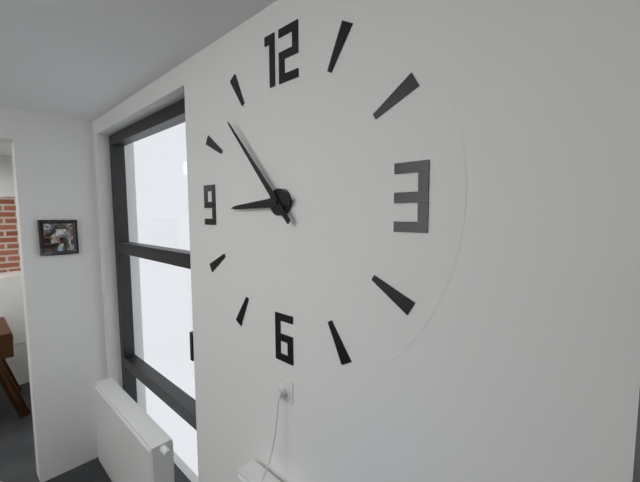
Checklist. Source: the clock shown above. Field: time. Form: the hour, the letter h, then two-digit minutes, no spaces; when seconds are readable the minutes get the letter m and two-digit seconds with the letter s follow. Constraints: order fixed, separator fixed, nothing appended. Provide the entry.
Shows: 8h53
